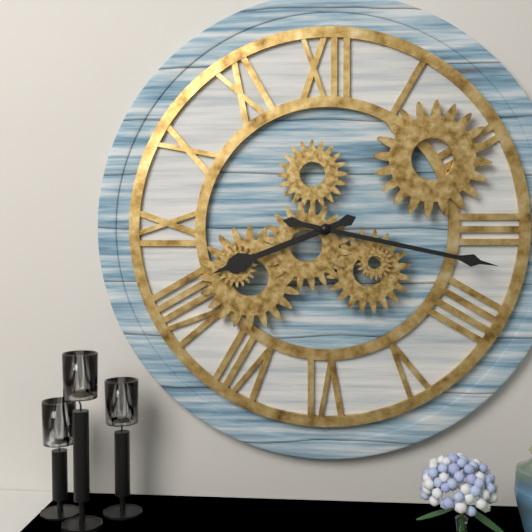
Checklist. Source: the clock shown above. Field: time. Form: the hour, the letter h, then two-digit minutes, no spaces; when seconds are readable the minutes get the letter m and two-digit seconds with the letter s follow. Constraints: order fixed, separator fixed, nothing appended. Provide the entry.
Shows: 8h17
